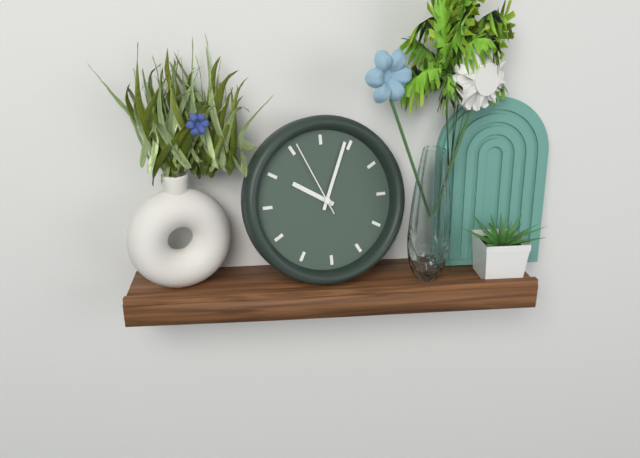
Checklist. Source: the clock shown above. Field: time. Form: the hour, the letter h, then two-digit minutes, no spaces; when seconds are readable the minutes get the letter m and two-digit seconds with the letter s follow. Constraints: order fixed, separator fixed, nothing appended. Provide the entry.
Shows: 10h04m56s
